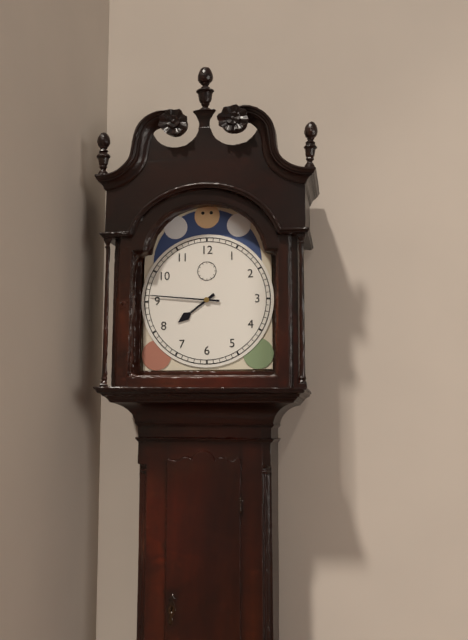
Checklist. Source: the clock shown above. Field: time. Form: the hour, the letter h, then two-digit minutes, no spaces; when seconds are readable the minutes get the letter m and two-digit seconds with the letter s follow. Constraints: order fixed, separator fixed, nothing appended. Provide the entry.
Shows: 7h46
